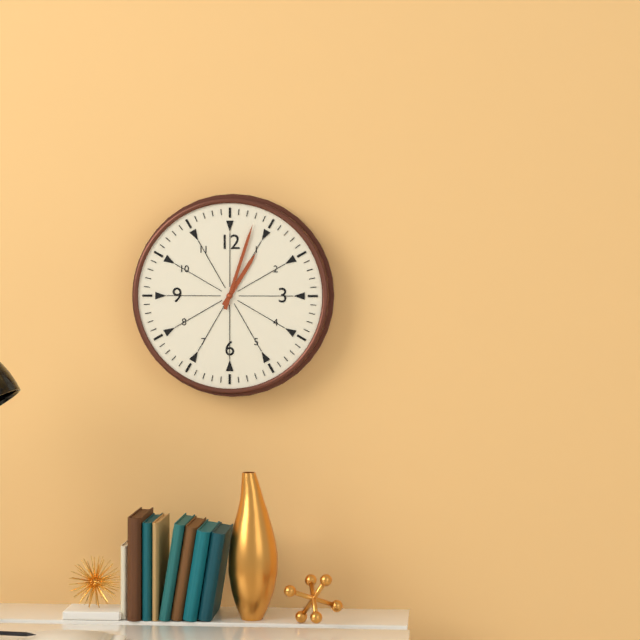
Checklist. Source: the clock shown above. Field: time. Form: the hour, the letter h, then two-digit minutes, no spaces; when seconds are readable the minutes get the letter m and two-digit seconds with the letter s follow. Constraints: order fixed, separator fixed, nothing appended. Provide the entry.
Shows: 1h03
